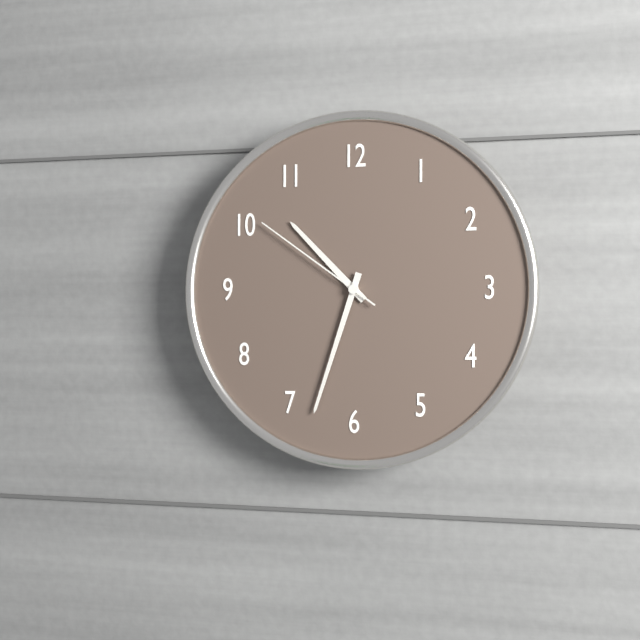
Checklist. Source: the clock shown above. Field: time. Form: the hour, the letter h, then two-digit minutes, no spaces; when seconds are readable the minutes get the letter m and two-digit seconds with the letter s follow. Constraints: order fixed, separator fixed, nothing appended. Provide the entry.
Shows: 10h33m51s
